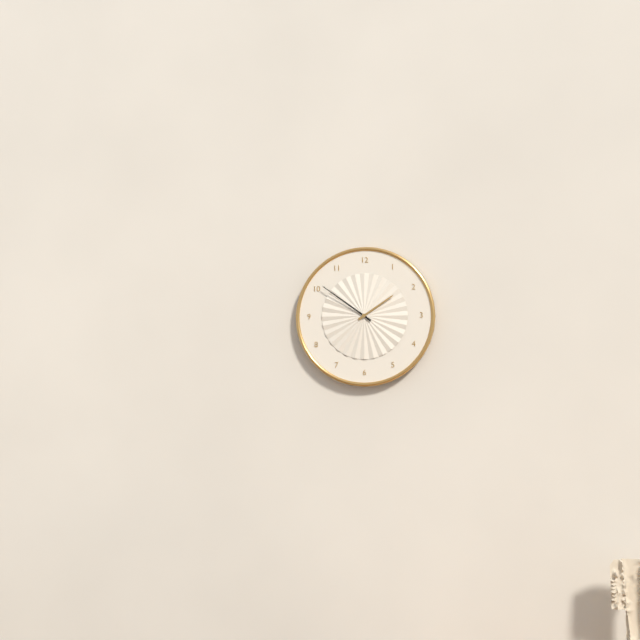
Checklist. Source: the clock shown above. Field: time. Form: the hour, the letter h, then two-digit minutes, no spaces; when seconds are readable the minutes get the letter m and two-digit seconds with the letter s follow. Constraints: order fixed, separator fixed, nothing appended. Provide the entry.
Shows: 1h51
